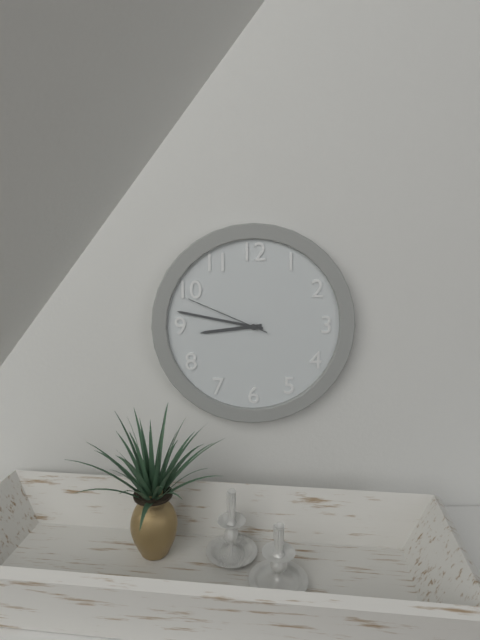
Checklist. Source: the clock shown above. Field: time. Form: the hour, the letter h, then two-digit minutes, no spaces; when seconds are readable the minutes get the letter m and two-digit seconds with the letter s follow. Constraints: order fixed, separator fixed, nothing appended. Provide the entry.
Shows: 8h47m49s
